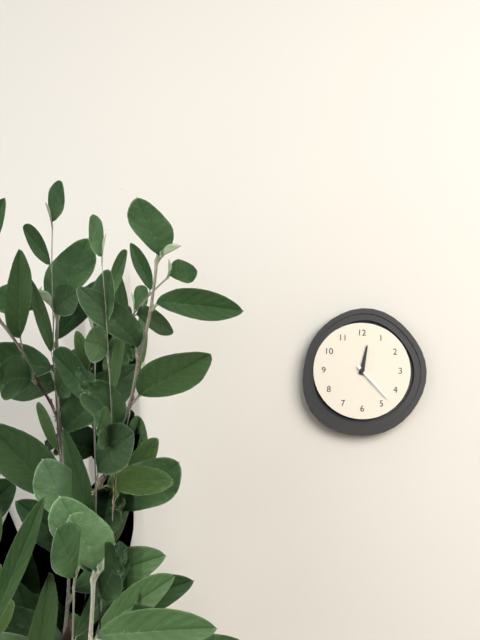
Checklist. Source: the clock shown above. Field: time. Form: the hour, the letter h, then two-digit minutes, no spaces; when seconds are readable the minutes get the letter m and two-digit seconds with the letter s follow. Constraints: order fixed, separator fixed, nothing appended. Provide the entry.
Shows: 12h23
